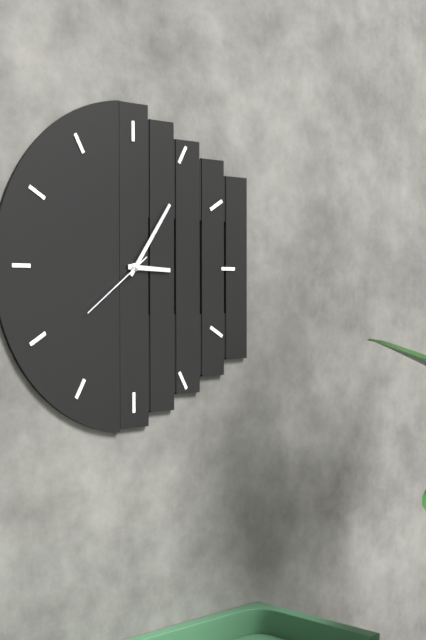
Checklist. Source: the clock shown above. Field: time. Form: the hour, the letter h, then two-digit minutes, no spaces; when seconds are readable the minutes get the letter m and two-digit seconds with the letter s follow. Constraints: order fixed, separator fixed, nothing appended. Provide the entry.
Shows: 3h06m39s
